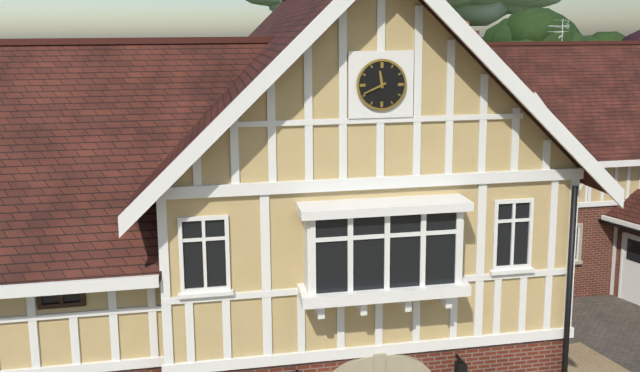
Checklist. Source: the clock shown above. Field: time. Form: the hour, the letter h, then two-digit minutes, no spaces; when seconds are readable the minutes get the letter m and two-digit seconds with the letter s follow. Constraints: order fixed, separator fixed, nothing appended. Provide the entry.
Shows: 11h41
